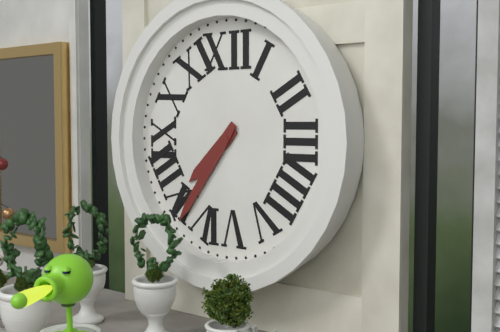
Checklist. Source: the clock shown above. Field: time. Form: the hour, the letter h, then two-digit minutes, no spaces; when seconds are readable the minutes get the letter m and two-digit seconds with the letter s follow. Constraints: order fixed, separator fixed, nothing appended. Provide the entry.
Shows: 7h36
